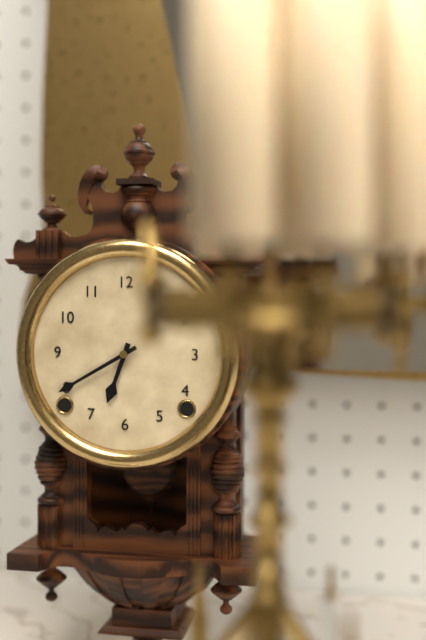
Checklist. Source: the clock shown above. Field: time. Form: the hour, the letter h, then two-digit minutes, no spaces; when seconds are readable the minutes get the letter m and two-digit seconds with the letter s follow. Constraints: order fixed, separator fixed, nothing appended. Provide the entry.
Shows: 6h40
